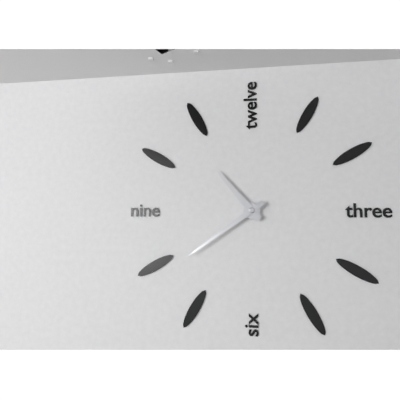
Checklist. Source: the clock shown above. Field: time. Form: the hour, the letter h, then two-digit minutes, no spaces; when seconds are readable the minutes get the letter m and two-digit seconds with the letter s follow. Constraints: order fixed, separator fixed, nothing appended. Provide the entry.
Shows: 10h39
